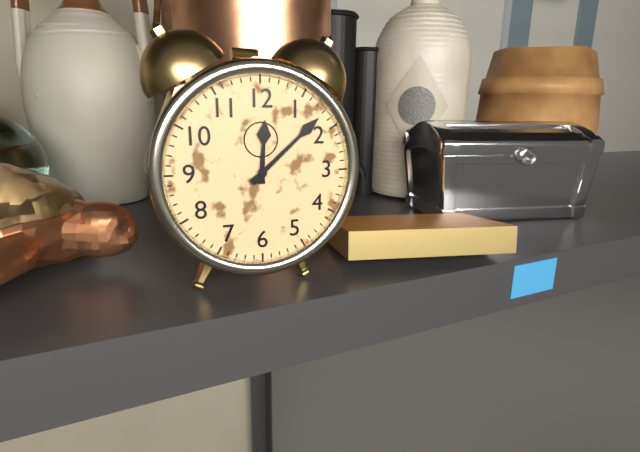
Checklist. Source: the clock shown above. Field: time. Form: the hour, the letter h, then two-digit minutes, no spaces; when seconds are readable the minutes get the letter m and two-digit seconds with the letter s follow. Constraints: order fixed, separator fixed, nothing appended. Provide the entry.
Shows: 12h08
